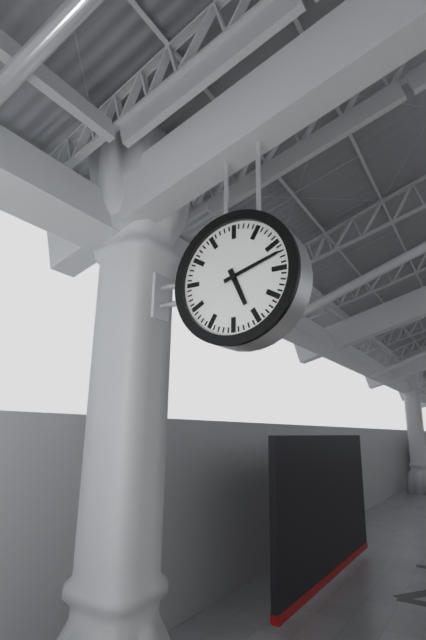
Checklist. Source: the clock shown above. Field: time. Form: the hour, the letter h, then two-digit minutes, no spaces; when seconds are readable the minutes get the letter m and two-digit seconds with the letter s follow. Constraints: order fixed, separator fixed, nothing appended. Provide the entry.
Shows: 5h12
